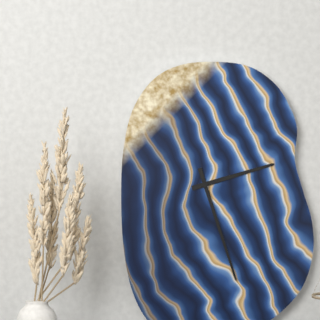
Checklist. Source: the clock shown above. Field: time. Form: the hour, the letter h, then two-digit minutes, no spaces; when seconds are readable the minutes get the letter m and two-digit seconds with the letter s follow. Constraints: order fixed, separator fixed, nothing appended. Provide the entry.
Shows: 2h27
